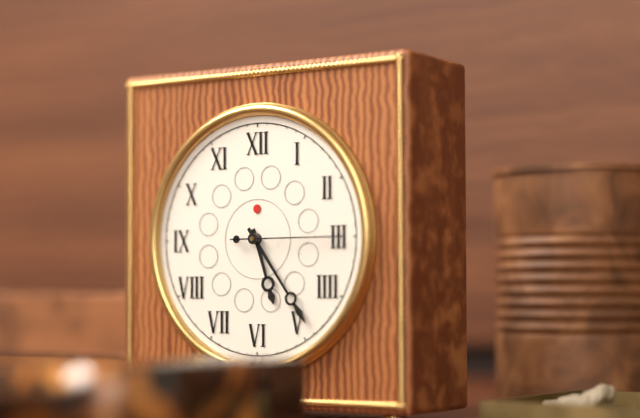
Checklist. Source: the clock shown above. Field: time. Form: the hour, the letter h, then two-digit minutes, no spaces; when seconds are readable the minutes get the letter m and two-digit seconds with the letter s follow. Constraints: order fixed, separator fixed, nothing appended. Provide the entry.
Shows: 5h24m15s
